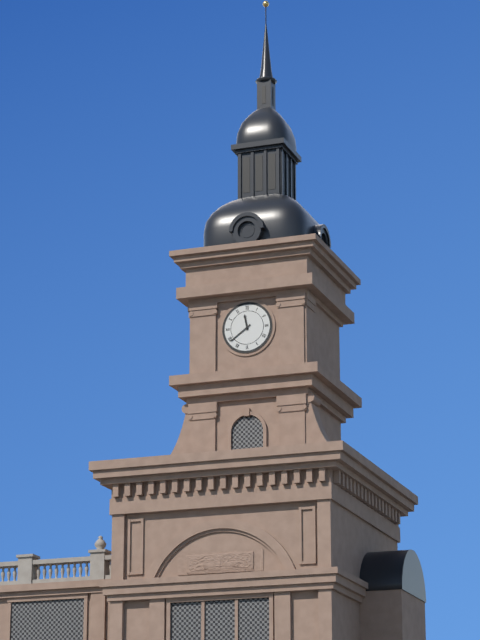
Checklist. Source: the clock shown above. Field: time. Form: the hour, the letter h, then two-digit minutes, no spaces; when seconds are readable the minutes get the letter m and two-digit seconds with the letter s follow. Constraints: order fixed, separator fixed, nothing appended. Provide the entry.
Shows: 11h39
